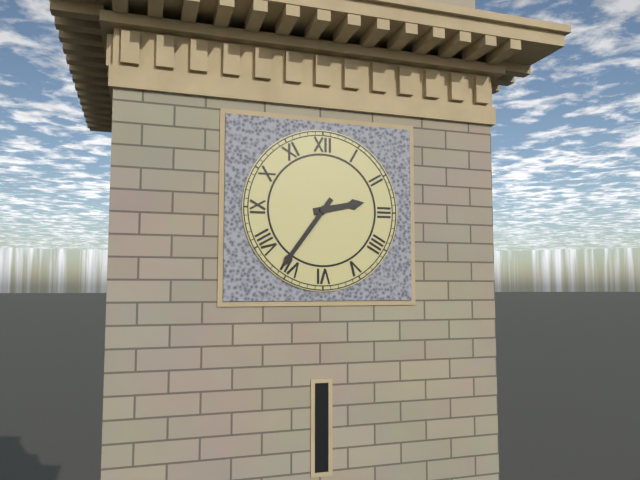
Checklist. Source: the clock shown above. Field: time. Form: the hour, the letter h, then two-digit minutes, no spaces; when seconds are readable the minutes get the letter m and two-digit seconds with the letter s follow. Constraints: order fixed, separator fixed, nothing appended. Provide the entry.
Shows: 2h36
